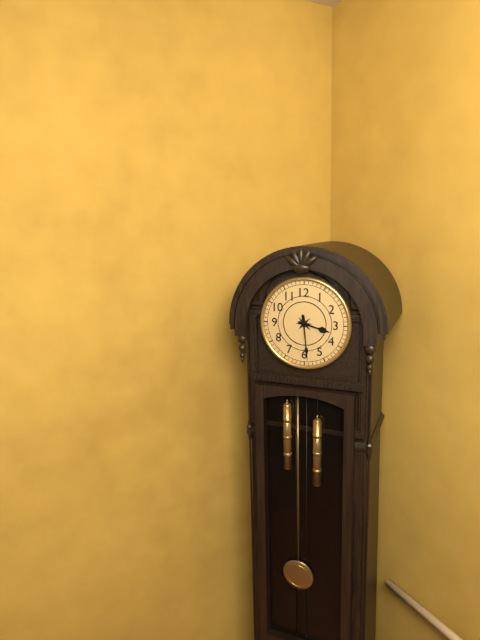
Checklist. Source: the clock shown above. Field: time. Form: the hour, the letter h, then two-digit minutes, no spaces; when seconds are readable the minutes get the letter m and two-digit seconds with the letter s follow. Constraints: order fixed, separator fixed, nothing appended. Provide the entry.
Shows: 3h29
